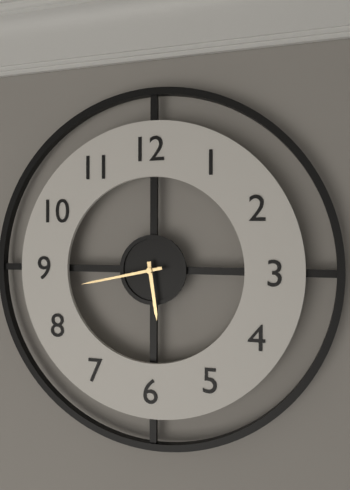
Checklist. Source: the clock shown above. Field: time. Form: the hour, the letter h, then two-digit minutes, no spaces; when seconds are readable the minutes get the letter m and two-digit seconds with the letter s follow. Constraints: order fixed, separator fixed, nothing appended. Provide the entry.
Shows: 5h43
